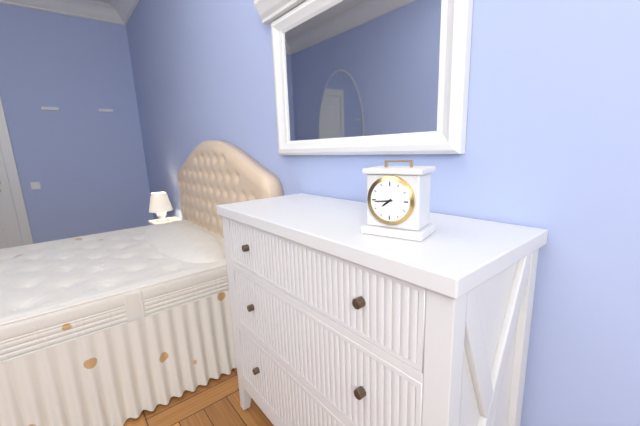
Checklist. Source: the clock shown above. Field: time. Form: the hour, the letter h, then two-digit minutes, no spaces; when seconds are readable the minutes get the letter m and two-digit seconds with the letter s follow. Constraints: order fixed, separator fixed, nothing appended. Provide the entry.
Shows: 7h44
